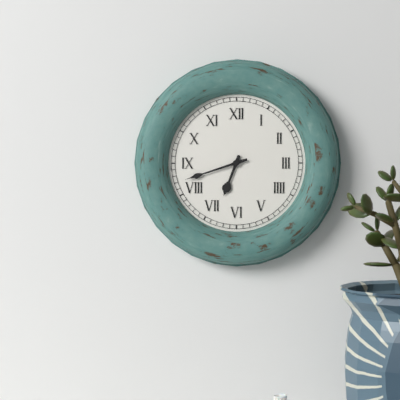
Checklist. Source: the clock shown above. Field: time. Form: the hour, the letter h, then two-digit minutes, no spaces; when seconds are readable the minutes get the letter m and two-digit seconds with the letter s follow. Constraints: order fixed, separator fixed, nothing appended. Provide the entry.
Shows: 6h42
